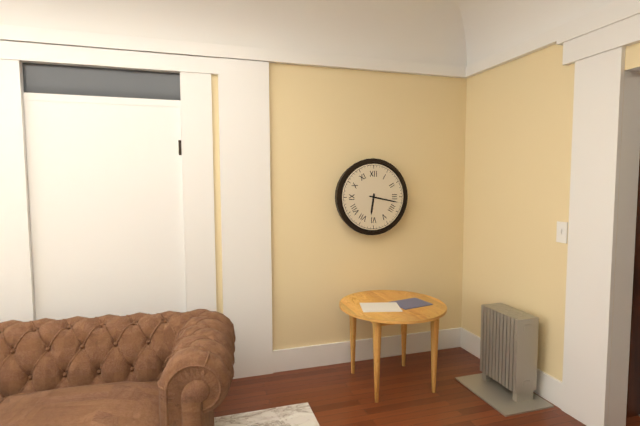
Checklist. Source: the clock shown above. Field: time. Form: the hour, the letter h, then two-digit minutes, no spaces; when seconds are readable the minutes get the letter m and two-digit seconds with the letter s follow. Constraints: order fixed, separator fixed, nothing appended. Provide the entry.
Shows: 6h17
